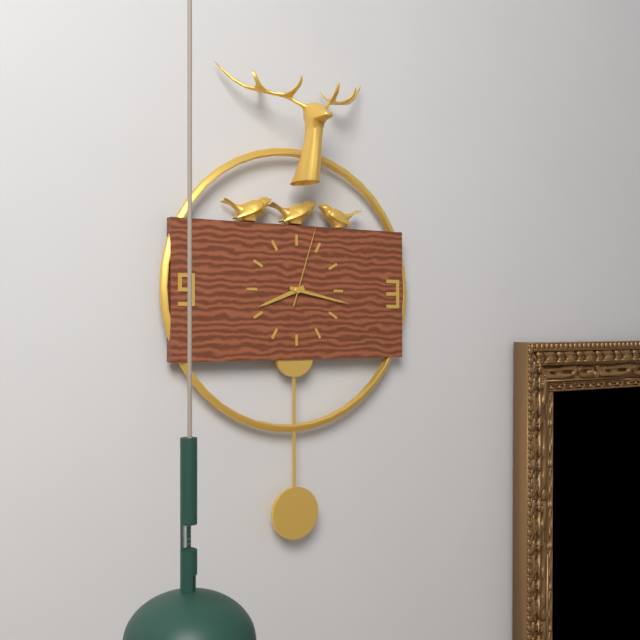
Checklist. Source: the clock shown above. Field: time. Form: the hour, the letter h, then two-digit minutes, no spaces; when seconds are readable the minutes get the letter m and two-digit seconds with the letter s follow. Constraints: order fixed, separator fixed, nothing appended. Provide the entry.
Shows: 8h17m03s
